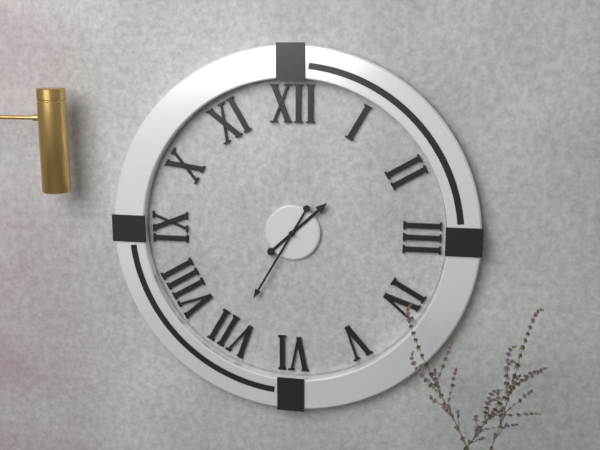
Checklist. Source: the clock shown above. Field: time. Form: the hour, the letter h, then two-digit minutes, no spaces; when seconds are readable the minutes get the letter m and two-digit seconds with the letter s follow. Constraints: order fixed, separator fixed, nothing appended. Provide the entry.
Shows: 1h35
